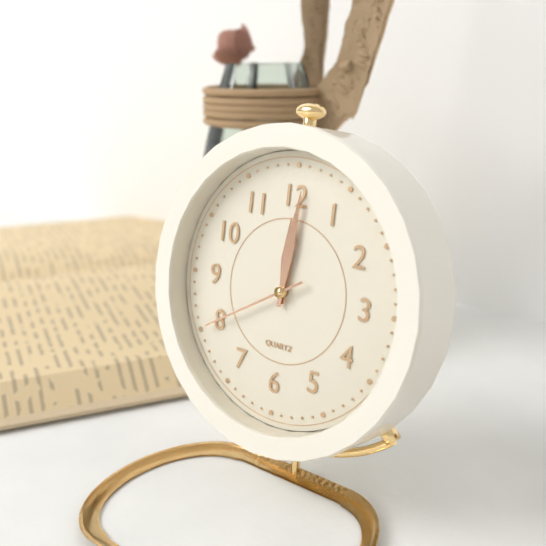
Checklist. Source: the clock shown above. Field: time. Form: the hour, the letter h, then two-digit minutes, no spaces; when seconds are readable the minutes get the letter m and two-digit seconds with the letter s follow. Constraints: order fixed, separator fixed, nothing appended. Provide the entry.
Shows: 12h01m40s
